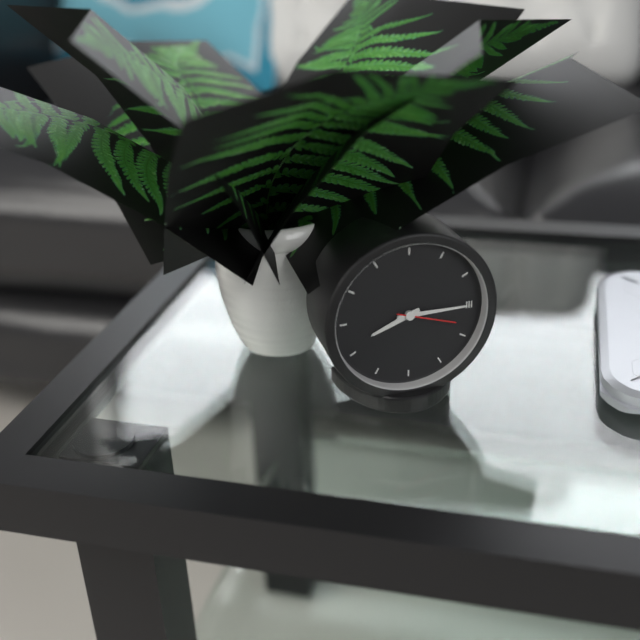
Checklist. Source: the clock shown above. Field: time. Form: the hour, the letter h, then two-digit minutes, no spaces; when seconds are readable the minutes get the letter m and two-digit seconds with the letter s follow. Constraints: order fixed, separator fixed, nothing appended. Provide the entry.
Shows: 8h15m18s
